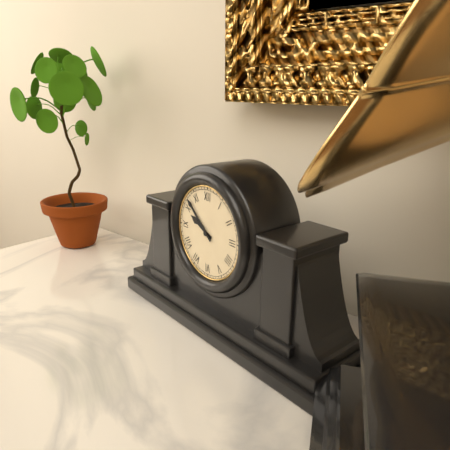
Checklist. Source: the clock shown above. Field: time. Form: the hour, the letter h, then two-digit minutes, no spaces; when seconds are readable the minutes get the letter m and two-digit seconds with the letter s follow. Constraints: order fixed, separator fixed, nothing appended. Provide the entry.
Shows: 9h52
